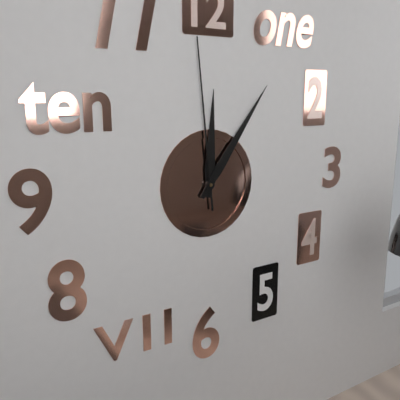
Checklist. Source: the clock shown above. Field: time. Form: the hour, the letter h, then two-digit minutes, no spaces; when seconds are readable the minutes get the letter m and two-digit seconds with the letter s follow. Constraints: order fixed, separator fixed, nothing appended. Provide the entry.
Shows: 12h06m59s
